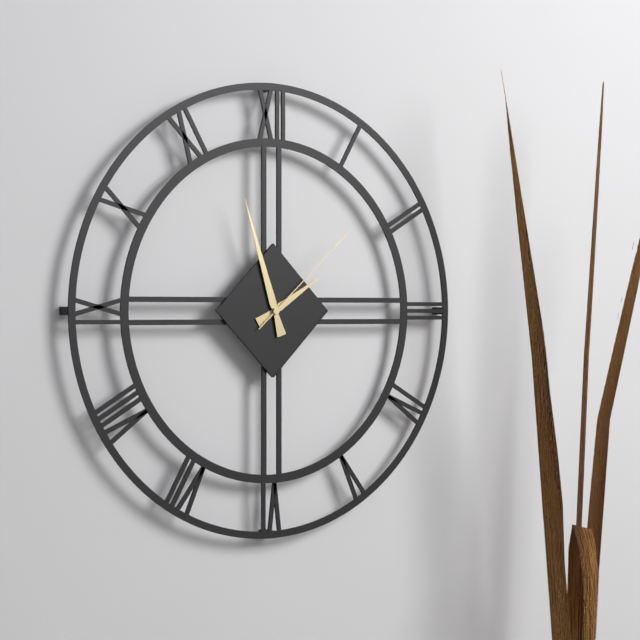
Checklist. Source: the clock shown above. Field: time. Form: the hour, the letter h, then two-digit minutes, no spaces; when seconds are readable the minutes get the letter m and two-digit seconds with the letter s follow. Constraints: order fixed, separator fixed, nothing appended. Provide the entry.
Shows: 1h57m08s
